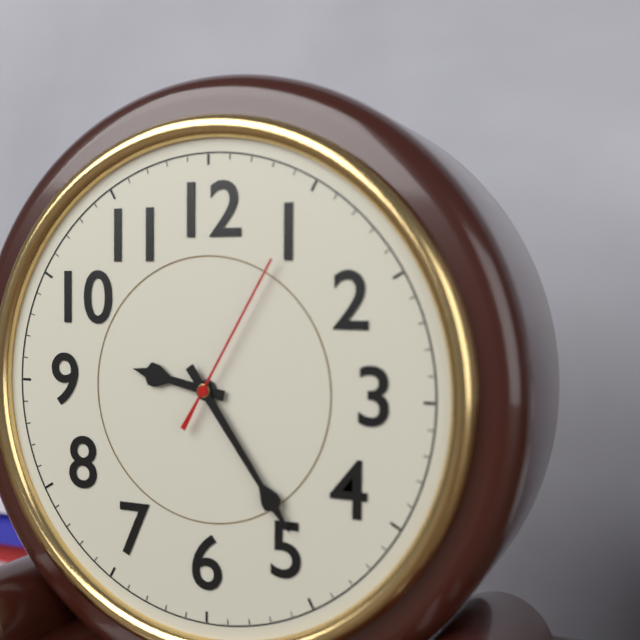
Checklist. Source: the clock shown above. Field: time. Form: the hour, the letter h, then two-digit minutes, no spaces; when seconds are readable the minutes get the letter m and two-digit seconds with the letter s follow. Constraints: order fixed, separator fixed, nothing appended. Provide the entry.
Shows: 9h24m05s
